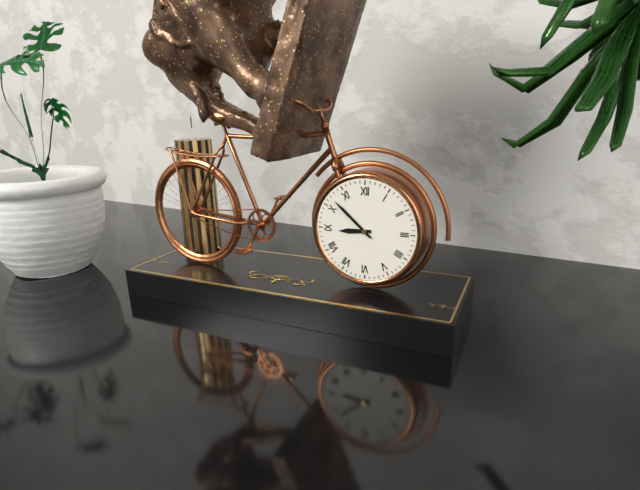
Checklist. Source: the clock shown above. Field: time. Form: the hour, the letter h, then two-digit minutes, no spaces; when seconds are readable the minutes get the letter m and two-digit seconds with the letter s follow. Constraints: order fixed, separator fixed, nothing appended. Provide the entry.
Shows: 8h52
